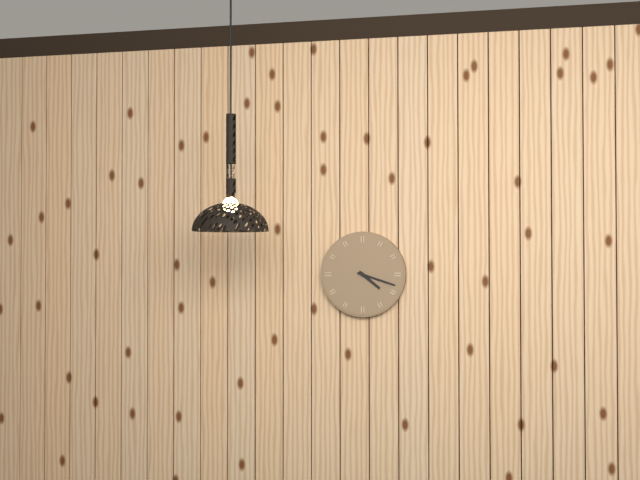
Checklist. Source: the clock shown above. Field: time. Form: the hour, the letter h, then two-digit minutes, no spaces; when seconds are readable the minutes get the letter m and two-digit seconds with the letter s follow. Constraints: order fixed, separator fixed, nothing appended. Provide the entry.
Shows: 4h18
